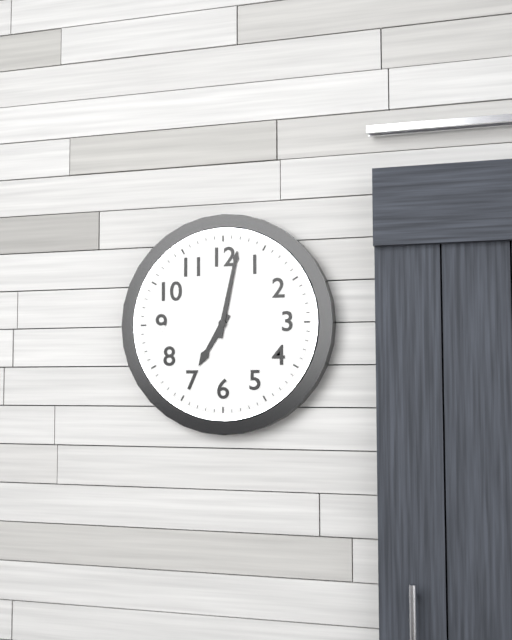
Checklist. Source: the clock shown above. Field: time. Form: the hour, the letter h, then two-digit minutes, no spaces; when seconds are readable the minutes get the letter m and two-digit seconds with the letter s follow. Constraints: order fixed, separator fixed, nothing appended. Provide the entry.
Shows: 7h02
